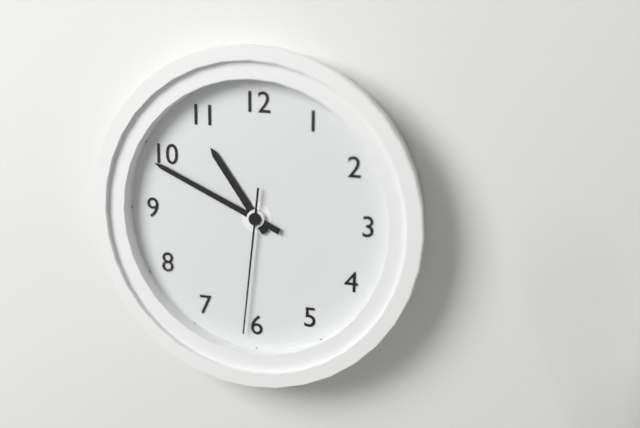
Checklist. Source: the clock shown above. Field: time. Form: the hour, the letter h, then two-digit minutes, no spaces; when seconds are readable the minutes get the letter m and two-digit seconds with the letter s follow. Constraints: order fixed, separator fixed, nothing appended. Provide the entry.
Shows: 10h49m31s
